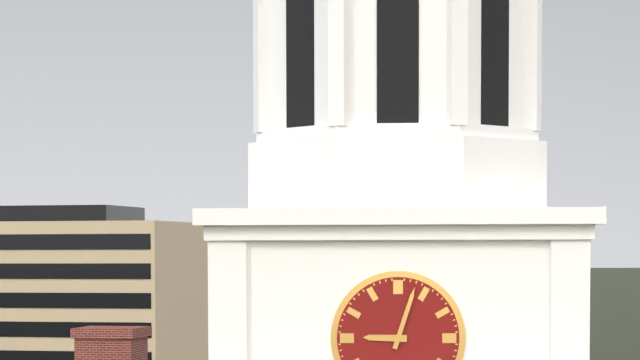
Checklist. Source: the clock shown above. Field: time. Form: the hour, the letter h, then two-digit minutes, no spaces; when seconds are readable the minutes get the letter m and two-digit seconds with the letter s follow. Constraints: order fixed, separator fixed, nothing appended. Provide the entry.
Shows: 9h03
